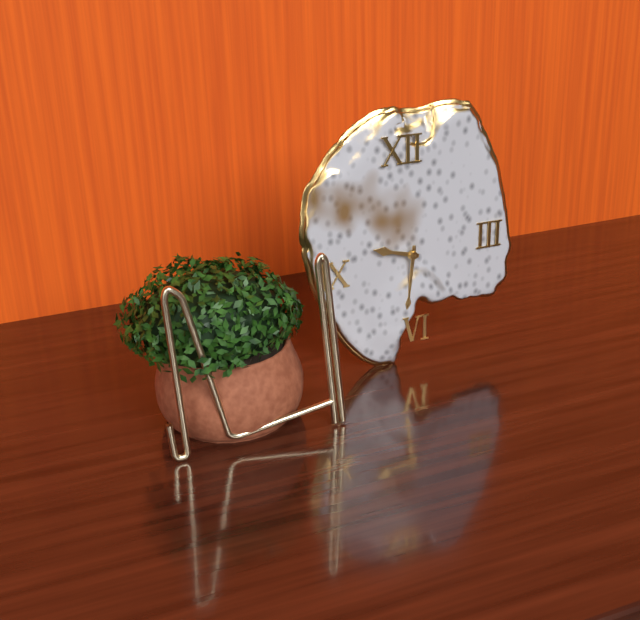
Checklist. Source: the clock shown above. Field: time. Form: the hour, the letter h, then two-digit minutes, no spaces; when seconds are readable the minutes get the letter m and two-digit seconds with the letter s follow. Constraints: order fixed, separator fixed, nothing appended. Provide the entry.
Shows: 9h31
